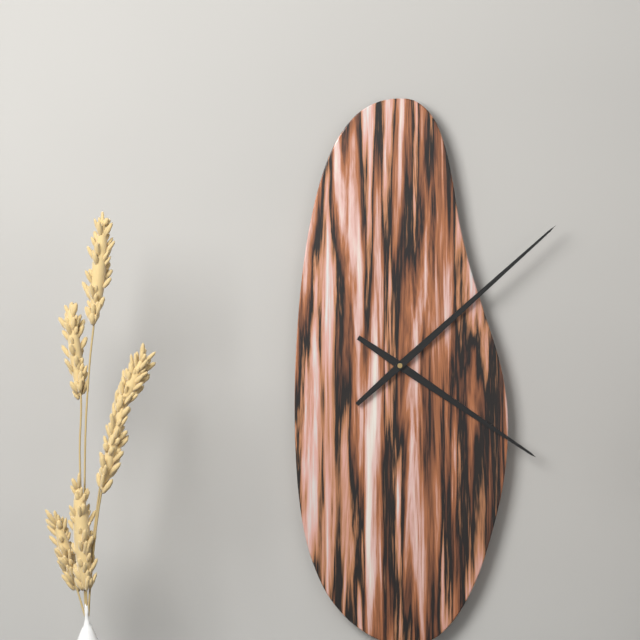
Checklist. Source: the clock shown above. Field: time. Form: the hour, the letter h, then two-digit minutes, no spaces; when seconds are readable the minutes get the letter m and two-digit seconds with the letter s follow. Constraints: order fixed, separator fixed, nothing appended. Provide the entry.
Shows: 4h08
